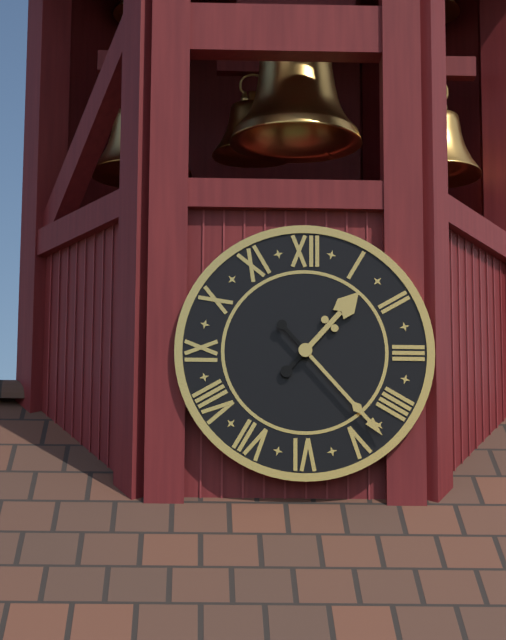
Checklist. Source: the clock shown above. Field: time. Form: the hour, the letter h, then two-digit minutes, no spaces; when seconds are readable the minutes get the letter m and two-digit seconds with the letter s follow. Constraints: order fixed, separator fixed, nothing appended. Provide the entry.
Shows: 1h23
